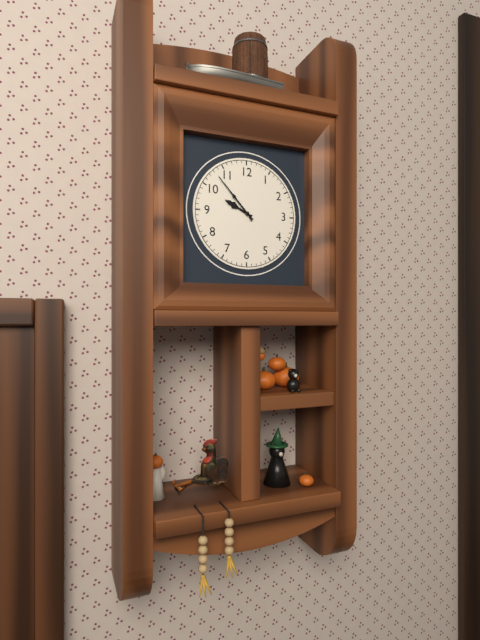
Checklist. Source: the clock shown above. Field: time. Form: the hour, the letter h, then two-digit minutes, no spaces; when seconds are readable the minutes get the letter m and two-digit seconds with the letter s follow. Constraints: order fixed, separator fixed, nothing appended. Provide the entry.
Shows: 9h53
